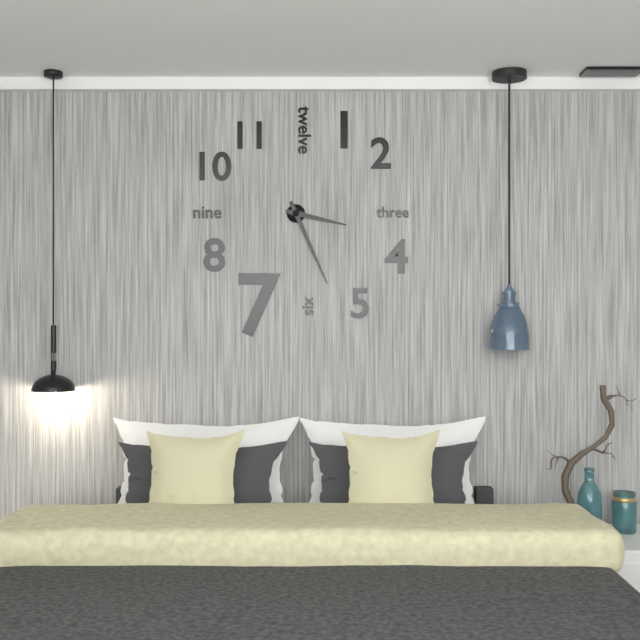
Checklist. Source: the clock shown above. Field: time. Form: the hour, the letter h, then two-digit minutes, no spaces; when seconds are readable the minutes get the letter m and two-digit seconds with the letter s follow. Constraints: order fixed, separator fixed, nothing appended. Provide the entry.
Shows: 3h26
